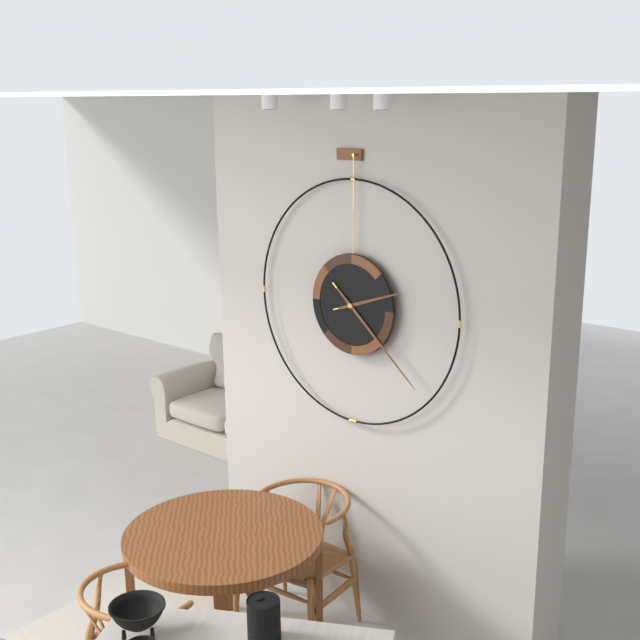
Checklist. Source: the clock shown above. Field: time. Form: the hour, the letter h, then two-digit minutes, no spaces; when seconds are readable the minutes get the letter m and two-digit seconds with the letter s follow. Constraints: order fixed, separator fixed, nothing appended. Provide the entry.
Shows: 2h22
